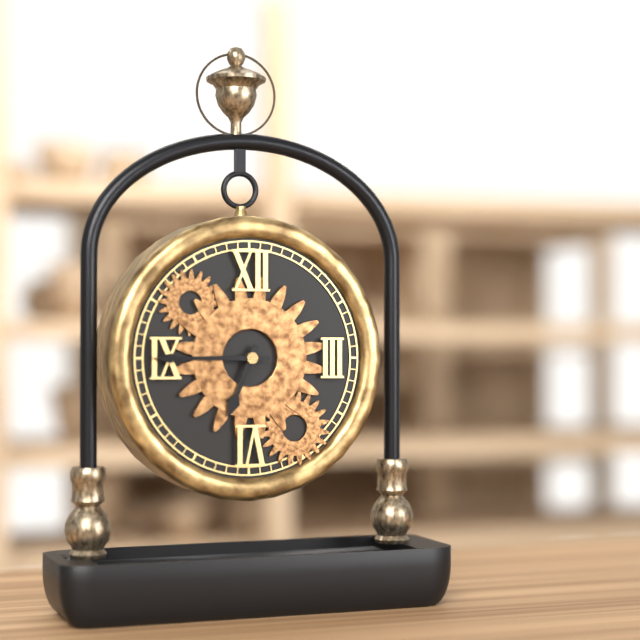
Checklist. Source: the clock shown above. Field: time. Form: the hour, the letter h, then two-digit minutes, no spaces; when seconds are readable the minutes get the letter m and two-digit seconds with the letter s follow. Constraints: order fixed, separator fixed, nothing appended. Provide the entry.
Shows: 6h45
